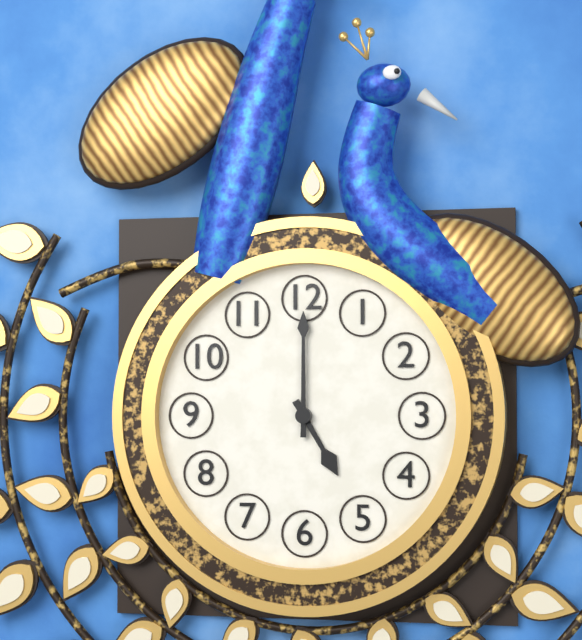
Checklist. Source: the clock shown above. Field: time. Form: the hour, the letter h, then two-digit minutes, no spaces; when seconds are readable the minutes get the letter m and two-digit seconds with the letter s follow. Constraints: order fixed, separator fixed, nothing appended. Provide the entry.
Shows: 5h00
